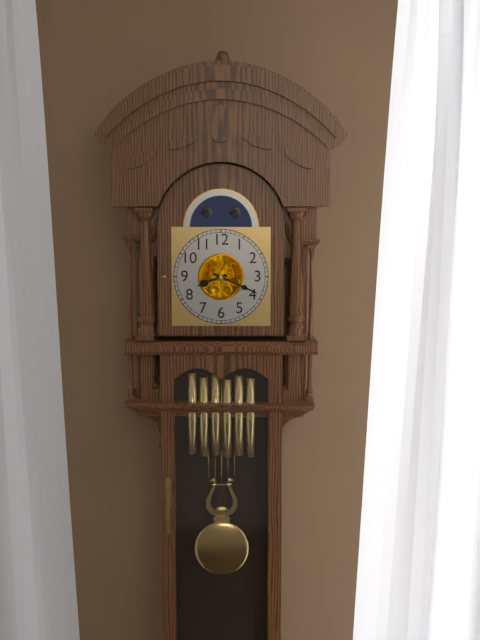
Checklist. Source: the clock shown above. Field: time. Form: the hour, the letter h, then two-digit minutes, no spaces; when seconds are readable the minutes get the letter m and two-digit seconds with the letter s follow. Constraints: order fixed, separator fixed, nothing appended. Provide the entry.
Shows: 8h19
